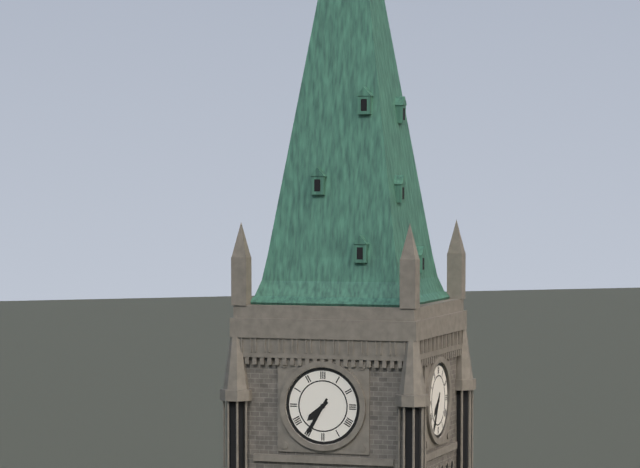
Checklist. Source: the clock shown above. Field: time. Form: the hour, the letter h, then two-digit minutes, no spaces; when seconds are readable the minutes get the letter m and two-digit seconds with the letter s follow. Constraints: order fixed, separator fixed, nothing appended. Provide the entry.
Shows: 7h35
